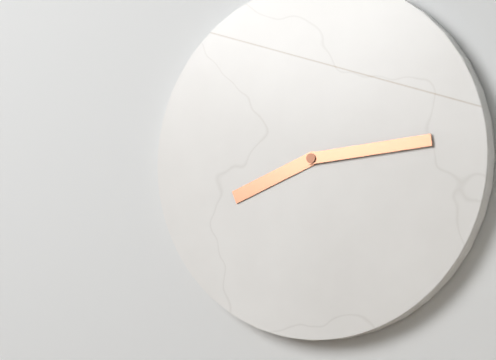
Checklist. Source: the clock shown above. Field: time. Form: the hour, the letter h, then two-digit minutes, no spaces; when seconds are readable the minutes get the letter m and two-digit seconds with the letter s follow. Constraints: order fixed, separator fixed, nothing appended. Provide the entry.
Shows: 8h14
